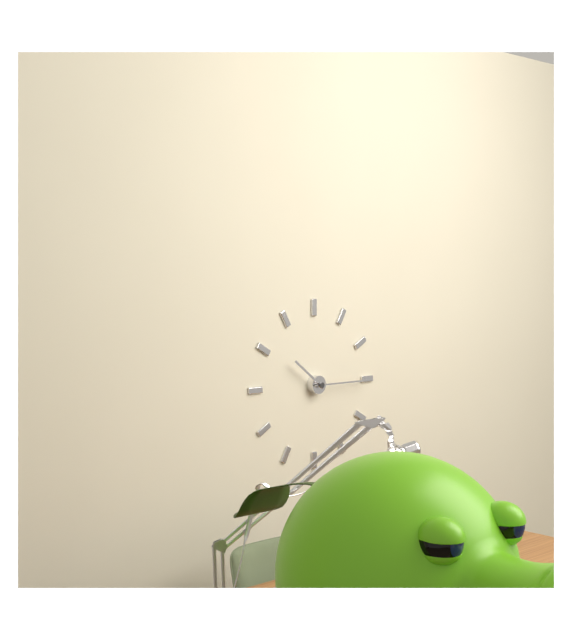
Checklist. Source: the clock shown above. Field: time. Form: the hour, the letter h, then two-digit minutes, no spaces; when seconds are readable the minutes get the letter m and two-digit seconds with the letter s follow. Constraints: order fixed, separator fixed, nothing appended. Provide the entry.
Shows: 10h15
